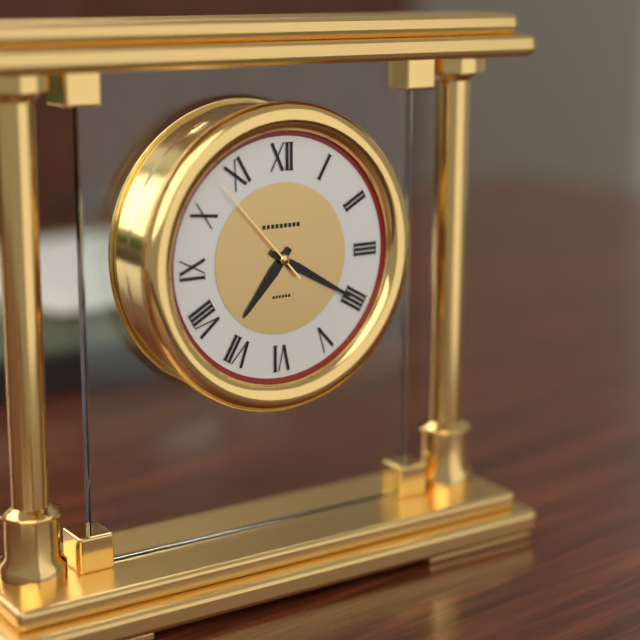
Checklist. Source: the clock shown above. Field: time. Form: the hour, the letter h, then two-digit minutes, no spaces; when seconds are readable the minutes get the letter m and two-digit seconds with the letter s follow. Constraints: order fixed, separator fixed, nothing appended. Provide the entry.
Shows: 7h20m53s
